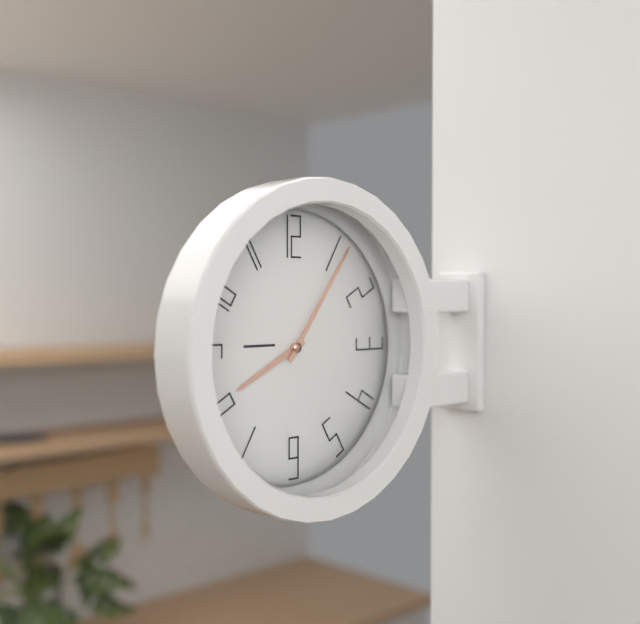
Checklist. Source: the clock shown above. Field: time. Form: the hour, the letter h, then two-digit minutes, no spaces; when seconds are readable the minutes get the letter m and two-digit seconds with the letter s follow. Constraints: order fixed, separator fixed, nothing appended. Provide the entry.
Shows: 8h06
